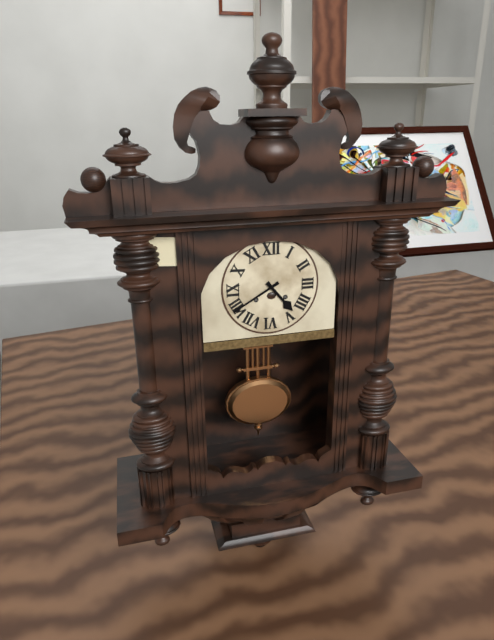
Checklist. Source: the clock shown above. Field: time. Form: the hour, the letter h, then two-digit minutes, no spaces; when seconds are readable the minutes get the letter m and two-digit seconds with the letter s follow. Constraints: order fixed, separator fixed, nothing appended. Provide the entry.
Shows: 4h40
